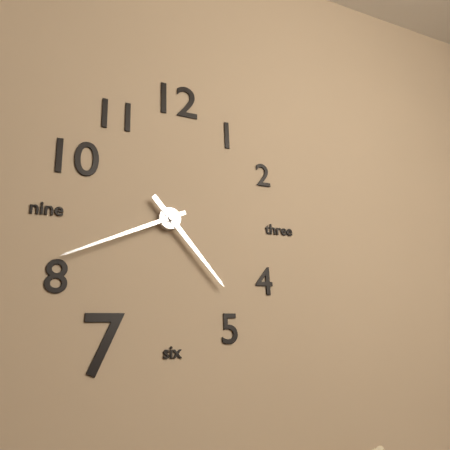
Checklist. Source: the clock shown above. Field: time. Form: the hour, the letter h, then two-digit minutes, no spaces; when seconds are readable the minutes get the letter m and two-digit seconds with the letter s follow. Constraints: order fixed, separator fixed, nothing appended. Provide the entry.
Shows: 4h41
